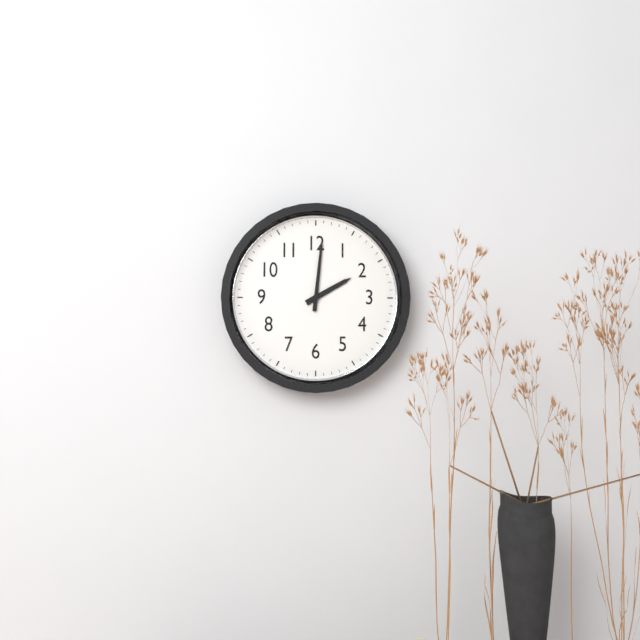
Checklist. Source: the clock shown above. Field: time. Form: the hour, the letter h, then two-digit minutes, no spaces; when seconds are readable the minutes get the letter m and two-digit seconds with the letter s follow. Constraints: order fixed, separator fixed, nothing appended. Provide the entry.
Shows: 2h01
